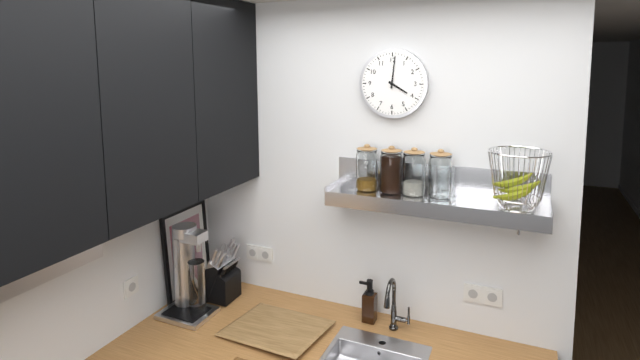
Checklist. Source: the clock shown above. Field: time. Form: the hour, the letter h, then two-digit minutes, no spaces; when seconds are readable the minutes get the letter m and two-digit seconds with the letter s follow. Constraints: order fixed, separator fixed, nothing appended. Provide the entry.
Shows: 4h01
